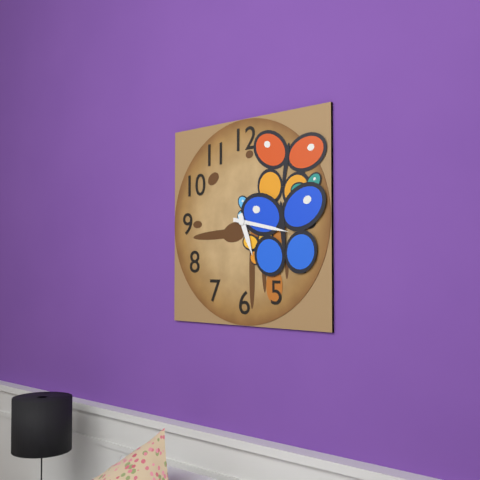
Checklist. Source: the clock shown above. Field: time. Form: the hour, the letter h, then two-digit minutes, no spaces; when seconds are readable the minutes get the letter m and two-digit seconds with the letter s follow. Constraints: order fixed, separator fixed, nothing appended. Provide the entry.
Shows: 5h17
